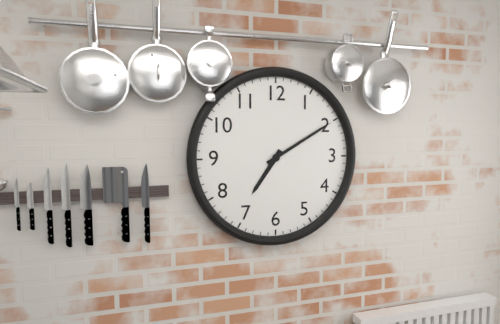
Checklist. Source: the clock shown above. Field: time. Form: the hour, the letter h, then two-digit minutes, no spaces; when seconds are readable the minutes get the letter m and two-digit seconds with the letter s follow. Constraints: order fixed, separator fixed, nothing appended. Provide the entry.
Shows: 7h10
